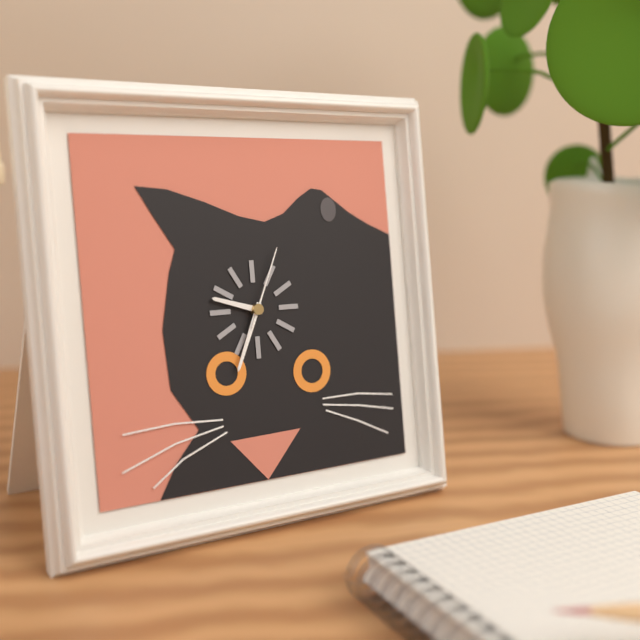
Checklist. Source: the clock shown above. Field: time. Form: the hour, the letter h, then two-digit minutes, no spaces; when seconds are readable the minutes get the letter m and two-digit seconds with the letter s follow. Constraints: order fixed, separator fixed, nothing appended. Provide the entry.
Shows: 9h34m04s
